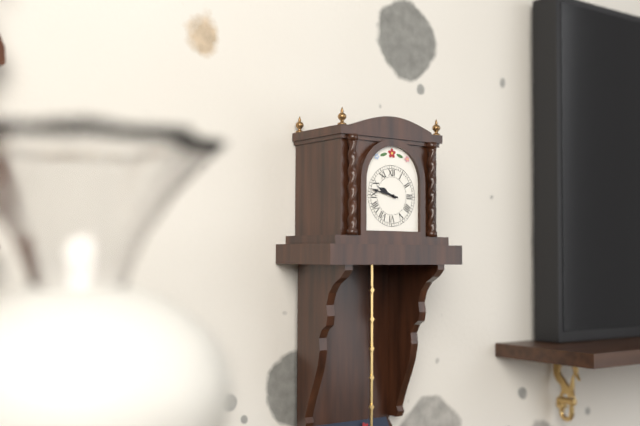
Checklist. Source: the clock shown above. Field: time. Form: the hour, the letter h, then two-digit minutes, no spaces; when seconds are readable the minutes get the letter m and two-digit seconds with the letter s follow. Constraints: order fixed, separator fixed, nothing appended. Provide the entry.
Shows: 9h47
